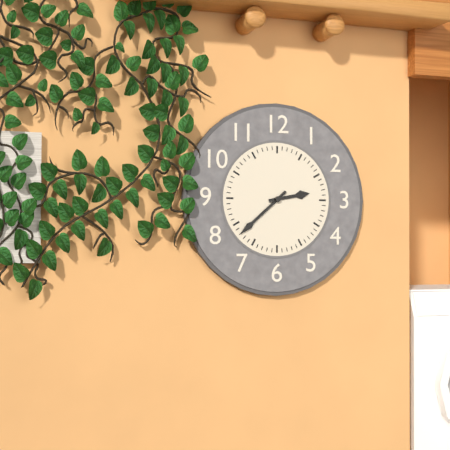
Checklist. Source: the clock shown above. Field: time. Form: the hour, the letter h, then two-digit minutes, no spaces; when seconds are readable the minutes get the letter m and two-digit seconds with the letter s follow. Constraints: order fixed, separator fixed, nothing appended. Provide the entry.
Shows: 2h38
